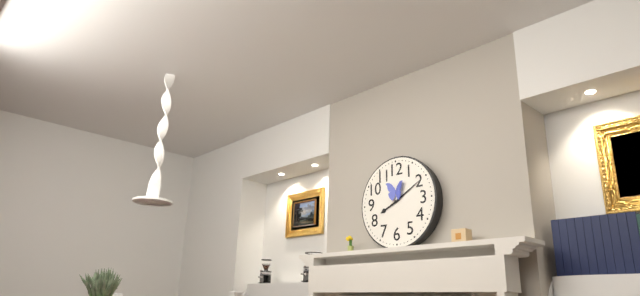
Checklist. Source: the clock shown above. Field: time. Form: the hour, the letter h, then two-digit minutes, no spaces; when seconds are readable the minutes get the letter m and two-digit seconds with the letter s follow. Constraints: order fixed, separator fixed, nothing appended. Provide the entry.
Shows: 8h10
